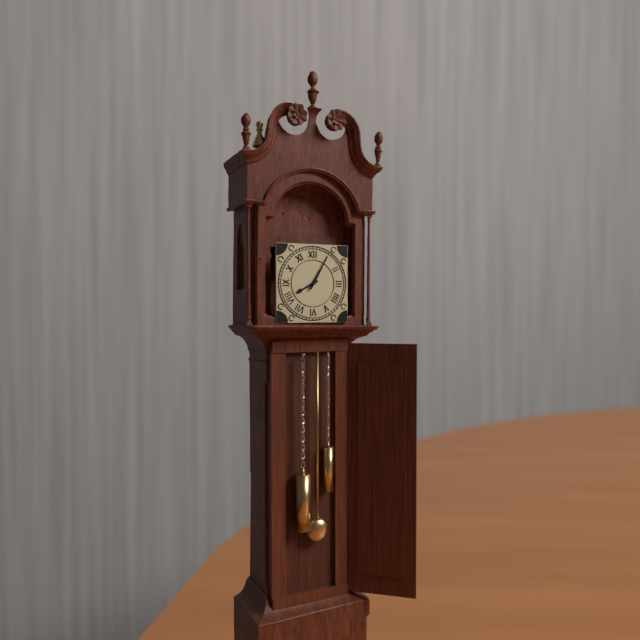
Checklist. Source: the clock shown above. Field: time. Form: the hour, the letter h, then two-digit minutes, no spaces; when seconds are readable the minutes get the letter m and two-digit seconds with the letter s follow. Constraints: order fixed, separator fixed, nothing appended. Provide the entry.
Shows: 8h05
